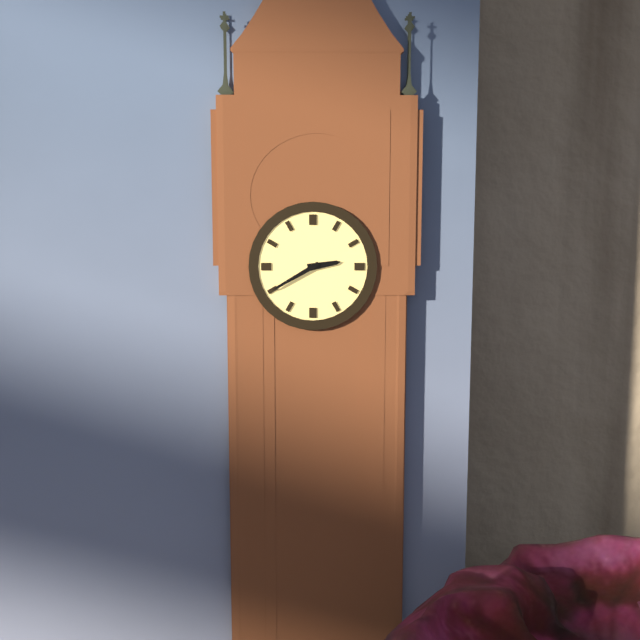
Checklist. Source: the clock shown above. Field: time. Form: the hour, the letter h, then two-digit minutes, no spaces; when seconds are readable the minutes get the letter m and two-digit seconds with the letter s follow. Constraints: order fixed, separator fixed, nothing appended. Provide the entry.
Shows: 2h40
